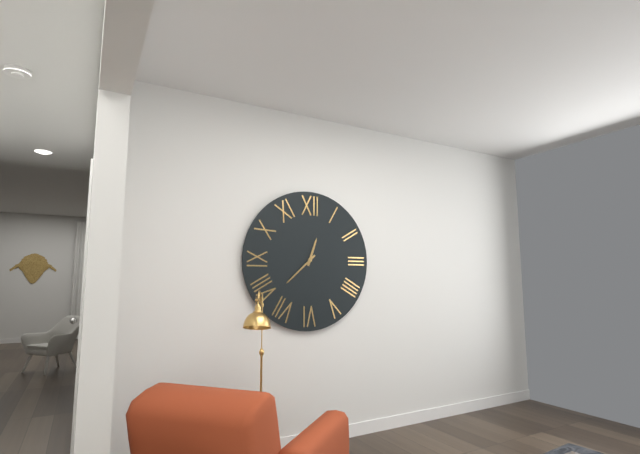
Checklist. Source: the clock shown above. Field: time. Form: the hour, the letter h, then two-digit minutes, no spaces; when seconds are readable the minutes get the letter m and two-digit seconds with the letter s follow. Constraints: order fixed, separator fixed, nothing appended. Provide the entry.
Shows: 12h38
